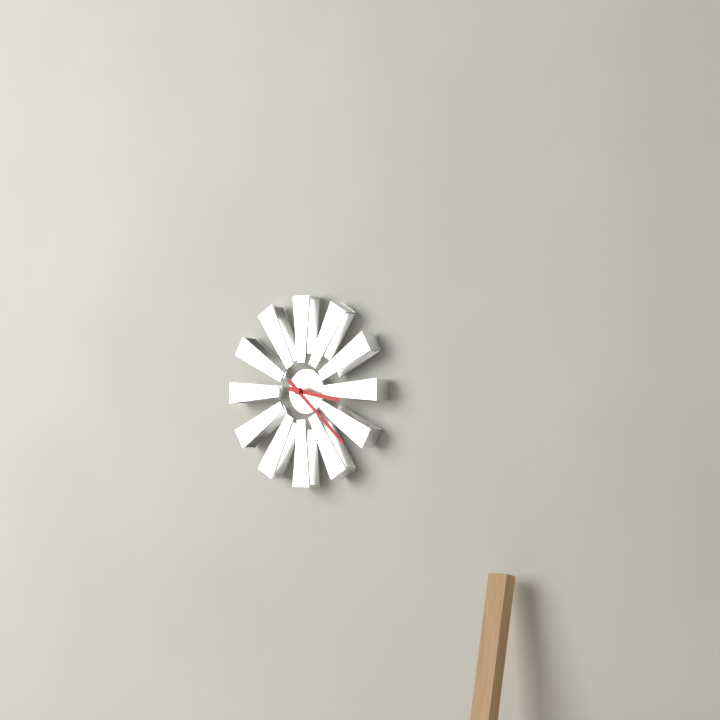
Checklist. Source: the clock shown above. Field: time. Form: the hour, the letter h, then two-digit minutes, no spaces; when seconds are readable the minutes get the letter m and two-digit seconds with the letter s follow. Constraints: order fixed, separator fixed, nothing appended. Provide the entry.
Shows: 3h22
